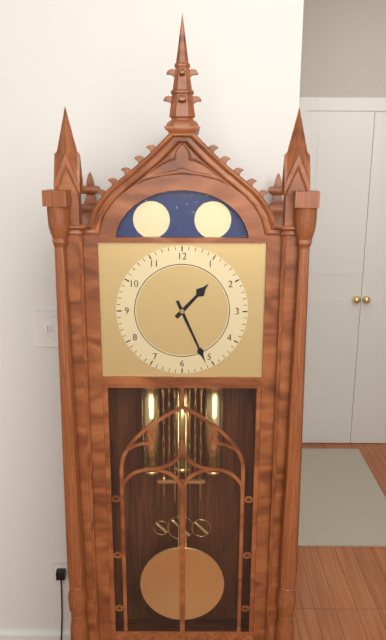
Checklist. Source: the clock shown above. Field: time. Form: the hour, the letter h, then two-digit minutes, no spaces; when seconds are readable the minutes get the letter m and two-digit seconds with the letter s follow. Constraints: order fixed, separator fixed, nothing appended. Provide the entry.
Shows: 1h26
